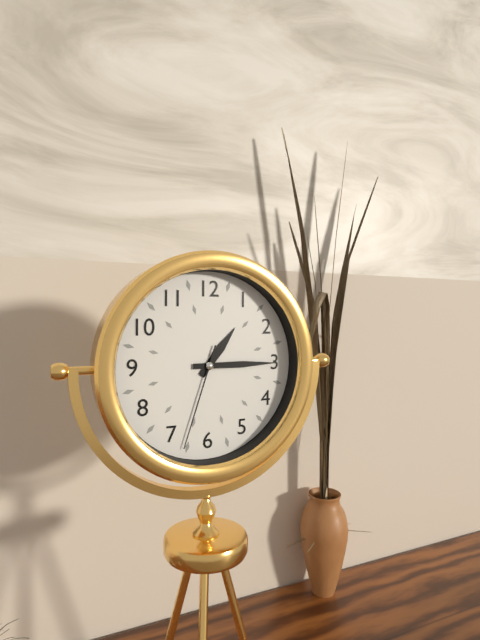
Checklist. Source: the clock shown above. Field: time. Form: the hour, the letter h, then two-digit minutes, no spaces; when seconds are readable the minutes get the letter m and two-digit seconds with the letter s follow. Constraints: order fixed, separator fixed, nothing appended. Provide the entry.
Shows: 1h15m33s
